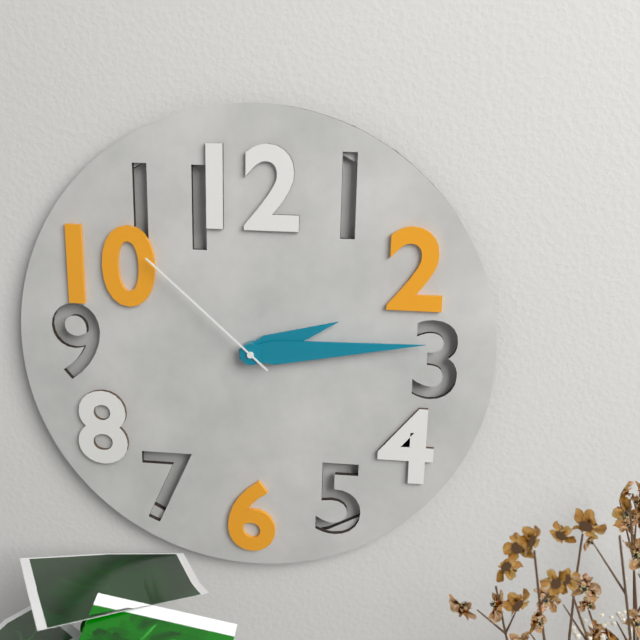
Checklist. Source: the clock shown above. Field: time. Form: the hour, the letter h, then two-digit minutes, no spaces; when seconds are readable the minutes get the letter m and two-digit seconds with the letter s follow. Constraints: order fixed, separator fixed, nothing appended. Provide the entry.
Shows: 2h14m52s
